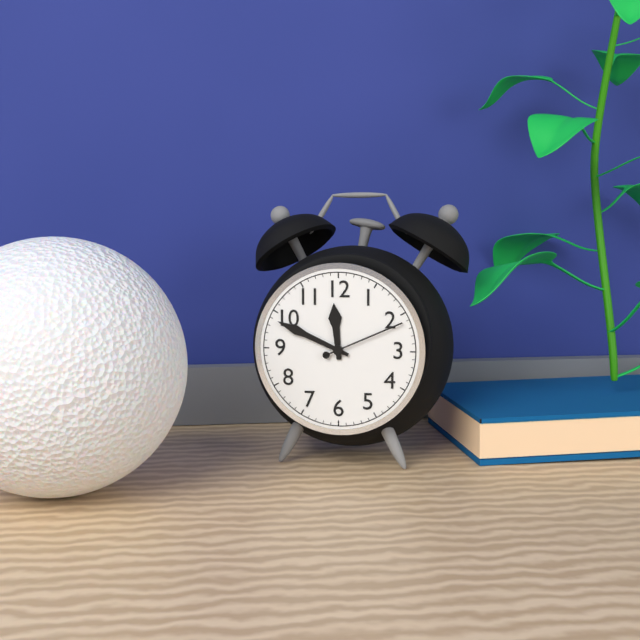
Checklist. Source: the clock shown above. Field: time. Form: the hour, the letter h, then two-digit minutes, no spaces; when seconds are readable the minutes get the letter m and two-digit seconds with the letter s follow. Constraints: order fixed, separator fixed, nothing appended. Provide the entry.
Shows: 11h49m11s
